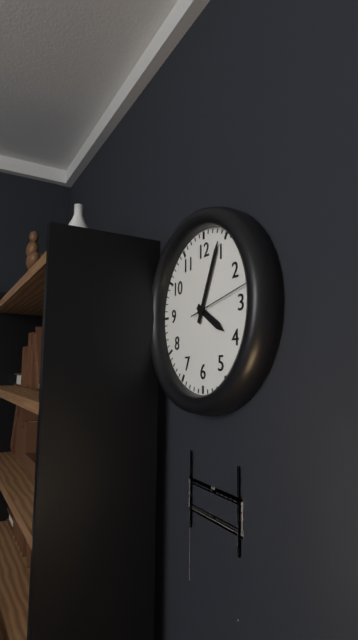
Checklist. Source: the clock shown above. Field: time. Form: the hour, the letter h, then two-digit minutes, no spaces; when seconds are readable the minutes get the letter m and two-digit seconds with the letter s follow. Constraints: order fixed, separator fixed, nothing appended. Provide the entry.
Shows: 4h04m13s
